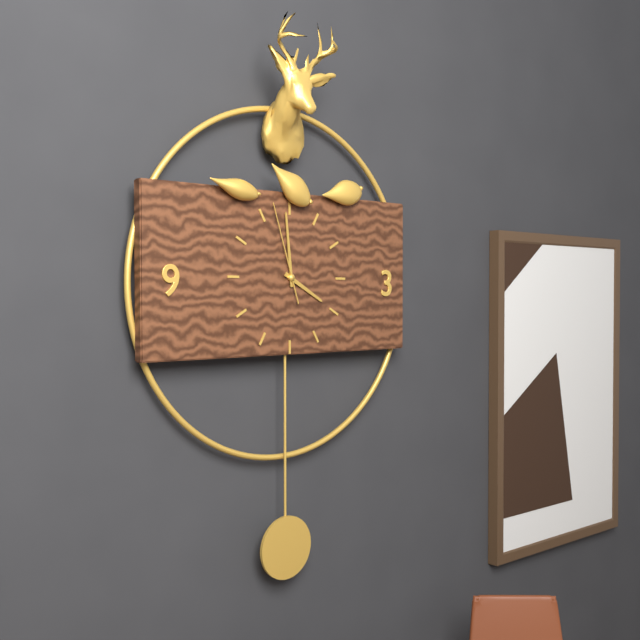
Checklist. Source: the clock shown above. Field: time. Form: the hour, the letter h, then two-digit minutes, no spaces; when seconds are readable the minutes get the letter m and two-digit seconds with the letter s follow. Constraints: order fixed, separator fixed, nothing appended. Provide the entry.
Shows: 3h59m57s
